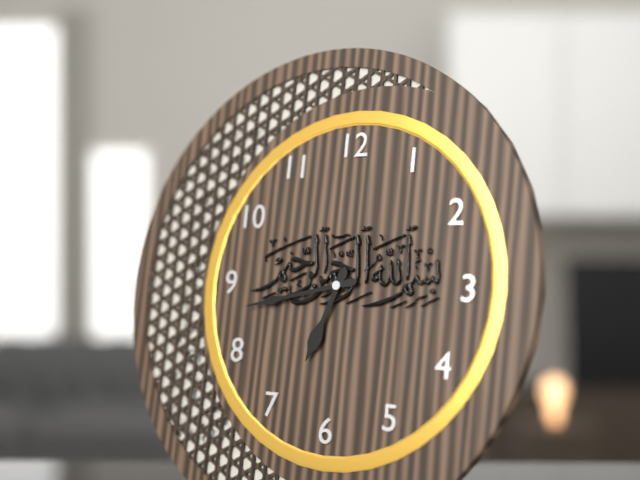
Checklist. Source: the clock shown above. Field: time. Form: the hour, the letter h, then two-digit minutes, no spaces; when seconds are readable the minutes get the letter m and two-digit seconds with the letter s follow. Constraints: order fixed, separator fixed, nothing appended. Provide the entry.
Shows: 6h43
